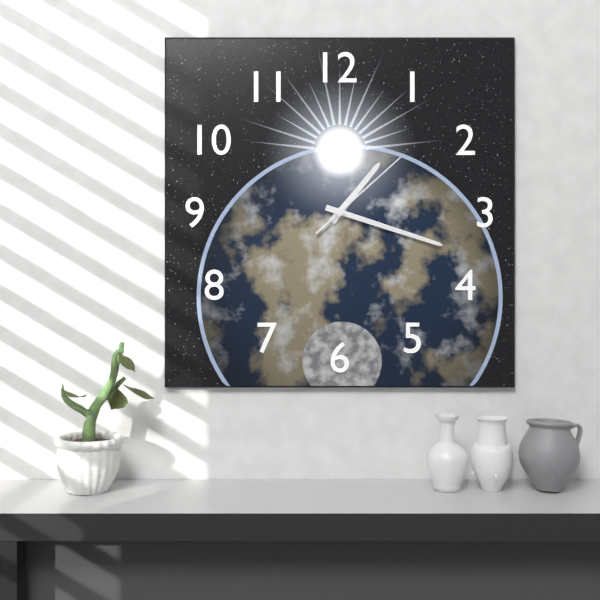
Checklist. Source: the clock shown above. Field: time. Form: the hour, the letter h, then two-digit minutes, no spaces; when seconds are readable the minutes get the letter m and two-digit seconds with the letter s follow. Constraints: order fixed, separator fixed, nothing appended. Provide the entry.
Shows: 1h18m08s
